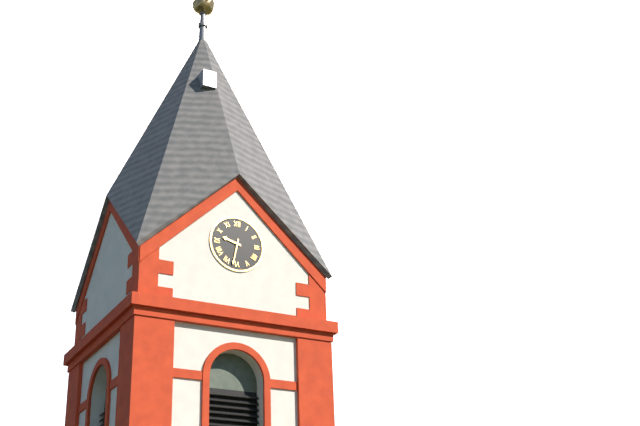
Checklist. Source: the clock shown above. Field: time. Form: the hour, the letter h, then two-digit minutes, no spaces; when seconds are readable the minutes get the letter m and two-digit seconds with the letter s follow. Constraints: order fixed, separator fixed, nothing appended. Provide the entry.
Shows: 9h32
